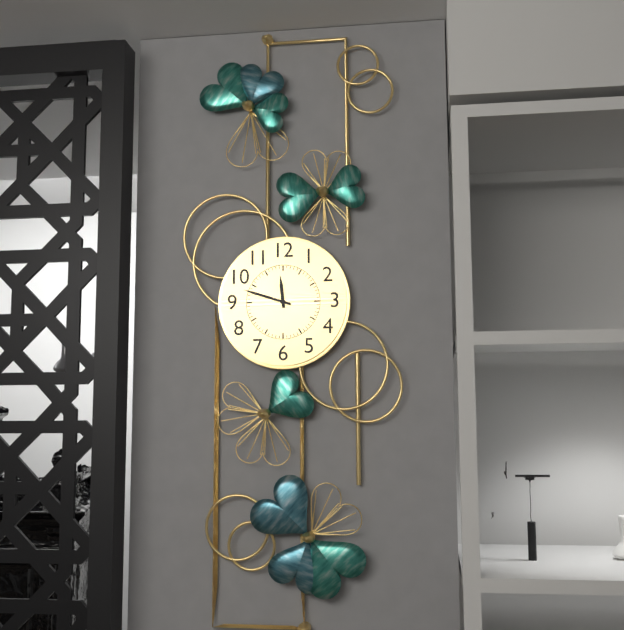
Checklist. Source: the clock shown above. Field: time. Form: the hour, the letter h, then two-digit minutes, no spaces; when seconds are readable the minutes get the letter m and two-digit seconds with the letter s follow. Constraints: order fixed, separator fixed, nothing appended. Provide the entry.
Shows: 11h48
